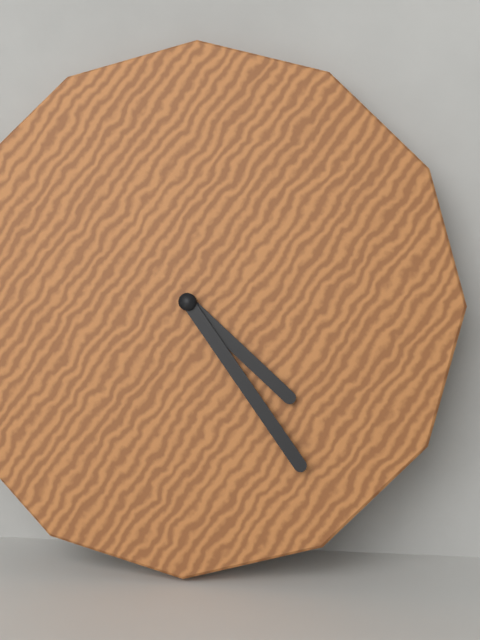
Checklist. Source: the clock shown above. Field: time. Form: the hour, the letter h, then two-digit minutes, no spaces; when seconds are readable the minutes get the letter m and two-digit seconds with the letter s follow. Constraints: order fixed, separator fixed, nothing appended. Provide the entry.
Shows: 4h24
